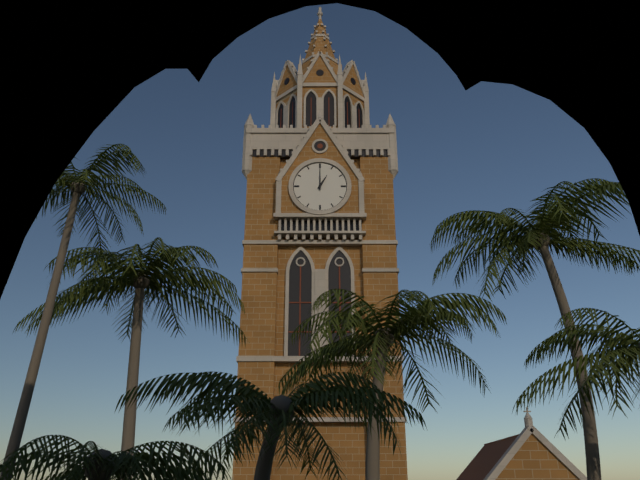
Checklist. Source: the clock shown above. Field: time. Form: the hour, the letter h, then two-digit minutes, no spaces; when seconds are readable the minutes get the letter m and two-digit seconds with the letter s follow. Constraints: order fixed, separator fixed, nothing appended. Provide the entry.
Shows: 1h00
